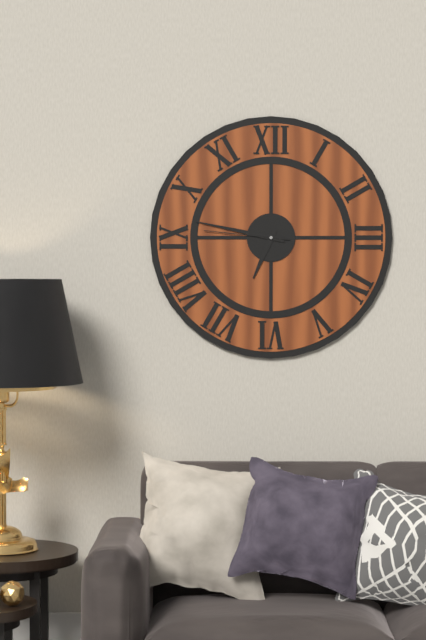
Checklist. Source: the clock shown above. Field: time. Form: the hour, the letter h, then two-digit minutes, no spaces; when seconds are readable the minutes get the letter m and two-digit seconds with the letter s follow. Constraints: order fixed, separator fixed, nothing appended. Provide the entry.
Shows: 6h47m46s
